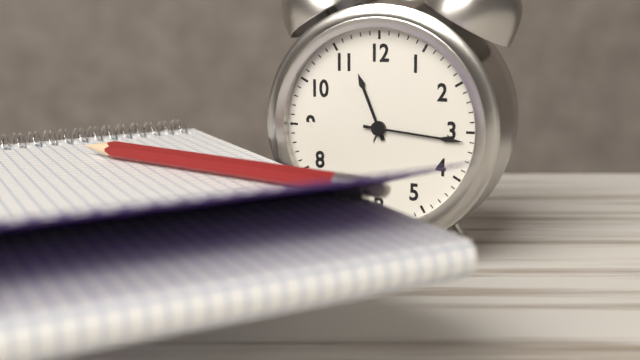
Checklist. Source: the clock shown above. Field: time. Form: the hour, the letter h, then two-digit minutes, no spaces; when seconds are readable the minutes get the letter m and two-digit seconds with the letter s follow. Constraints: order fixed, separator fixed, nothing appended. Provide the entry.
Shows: 11h16
